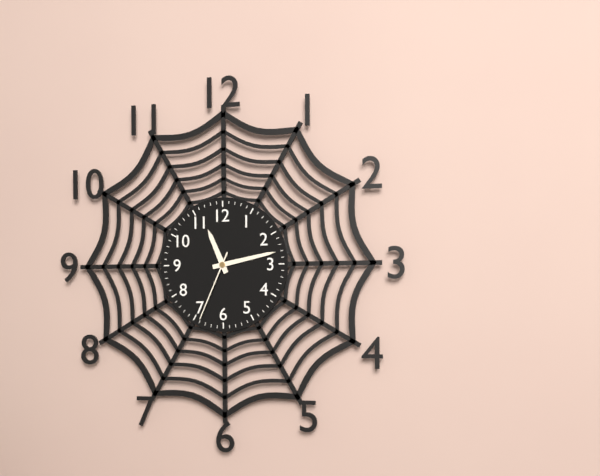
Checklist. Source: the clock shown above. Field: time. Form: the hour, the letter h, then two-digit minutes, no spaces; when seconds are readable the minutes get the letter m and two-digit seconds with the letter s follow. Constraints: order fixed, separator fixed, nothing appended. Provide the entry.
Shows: 11h13m34s
